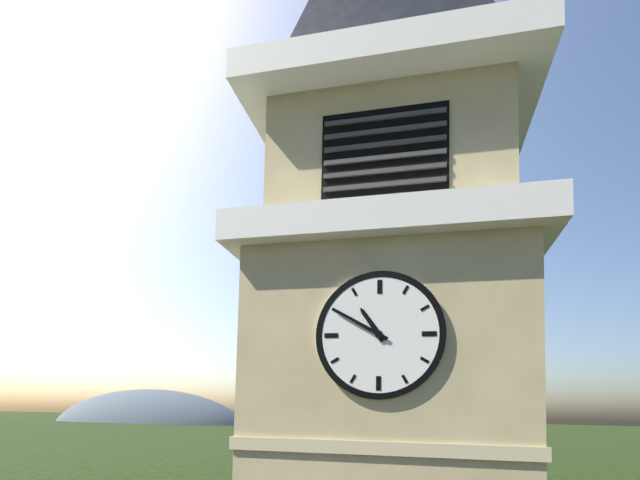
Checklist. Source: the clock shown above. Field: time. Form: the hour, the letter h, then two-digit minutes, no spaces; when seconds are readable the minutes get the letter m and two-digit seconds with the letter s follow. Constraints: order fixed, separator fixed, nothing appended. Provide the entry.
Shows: 10h50
